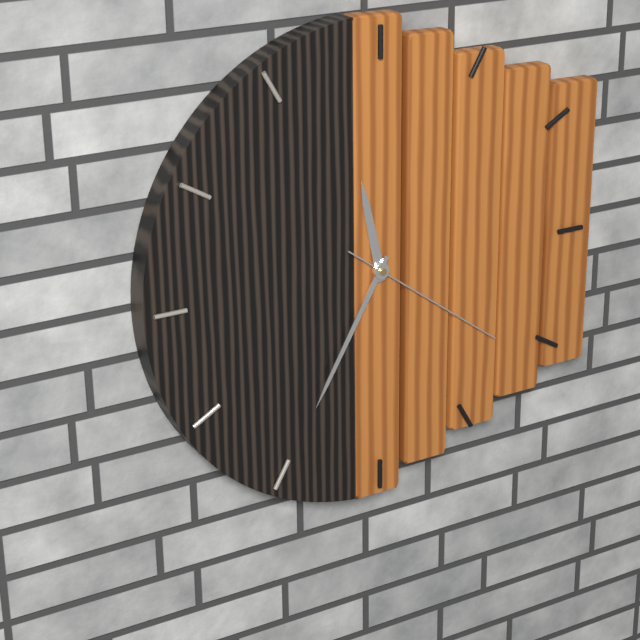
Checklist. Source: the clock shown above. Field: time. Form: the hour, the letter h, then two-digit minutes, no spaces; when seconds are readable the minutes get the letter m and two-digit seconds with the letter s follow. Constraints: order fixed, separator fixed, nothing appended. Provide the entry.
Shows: 11h35m21s
